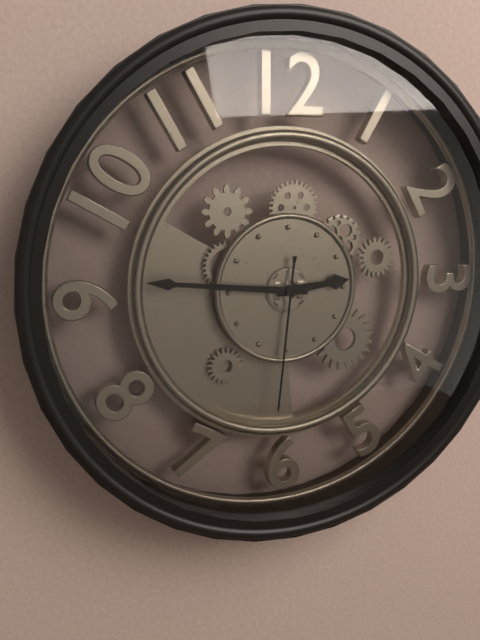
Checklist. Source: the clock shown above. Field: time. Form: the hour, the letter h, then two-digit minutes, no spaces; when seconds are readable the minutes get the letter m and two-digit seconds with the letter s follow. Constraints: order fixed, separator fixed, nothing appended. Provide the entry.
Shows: 2h46m31s
